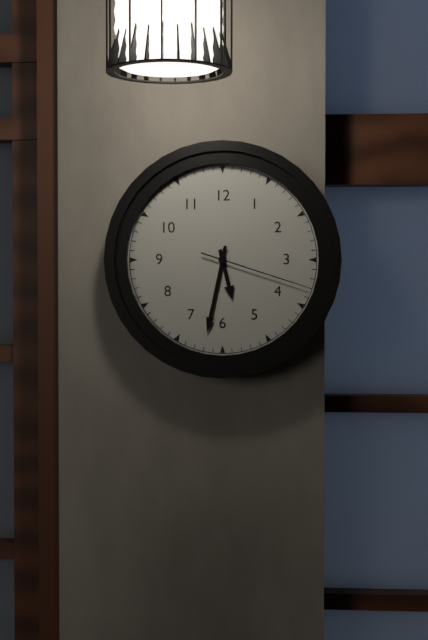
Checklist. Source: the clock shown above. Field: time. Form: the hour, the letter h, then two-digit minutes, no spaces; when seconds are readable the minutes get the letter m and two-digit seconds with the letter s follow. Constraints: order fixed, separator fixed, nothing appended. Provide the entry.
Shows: 5h32m18s
